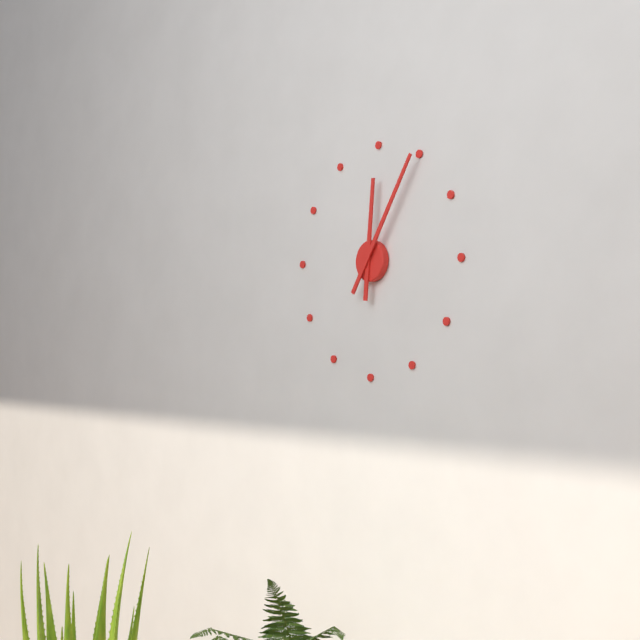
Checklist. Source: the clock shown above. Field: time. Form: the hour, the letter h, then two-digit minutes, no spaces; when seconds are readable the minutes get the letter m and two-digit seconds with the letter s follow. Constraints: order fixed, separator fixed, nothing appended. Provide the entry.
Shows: 12h05
